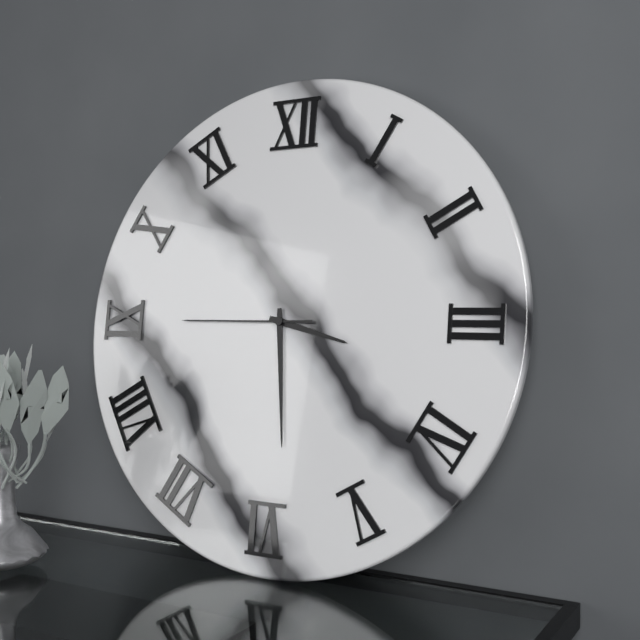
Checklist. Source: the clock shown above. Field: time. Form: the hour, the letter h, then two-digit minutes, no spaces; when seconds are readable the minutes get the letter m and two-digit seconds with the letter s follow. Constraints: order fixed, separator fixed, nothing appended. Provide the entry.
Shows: 3h29m45s
